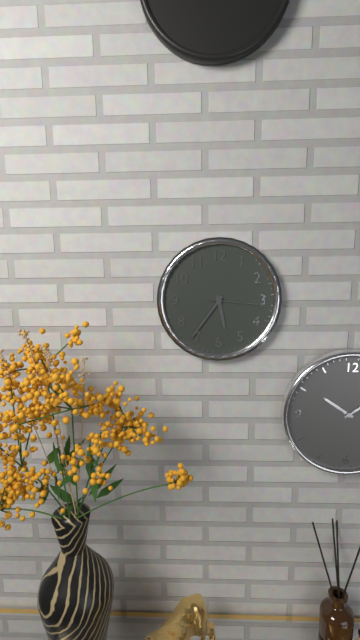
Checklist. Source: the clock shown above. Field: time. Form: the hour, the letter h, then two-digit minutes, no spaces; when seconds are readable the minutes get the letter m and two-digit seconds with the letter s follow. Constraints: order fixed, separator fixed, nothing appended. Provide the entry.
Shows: 5h36m16s
